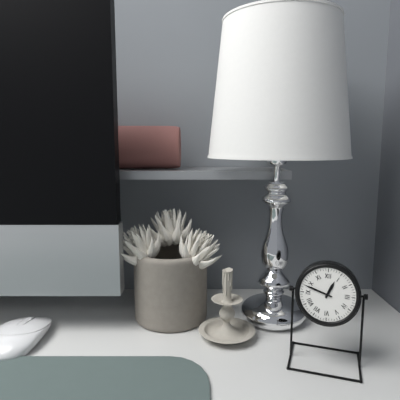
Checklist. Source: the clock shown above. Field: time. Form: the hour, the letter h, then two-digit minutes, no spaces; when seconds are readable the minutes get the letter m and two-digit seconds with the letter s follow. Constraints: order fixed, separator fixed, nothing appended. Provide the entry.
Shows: 12h48
